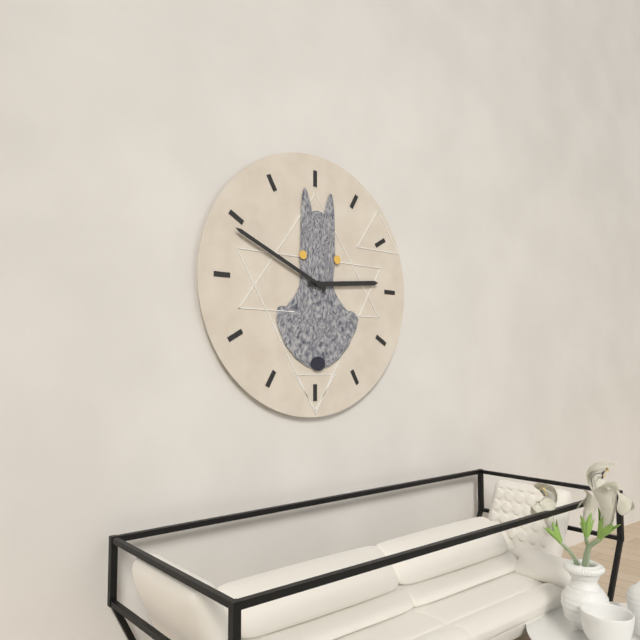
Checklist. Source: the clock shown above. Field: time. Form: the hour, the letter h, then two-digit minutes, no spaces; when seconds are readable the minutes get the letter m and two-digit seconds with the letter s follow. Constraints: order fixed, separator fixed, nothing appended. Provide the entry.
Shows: 2h49
